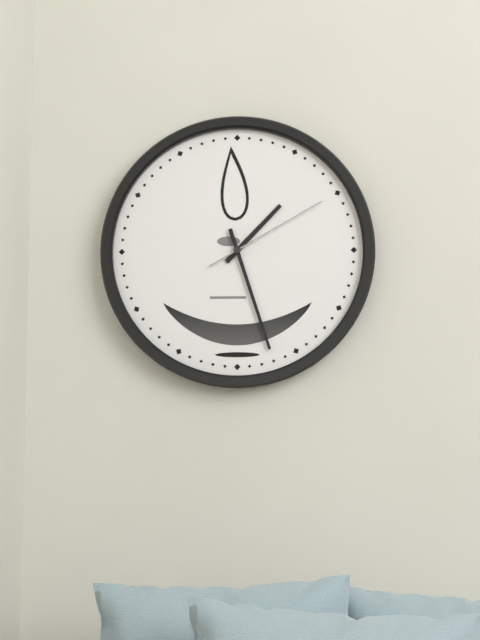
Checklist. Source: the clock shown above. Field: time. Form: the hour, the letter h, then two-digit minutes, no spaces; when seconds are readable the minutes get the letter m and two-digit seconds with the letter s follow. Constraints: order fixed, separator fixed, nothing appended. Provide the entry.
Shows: 1h27m10s
